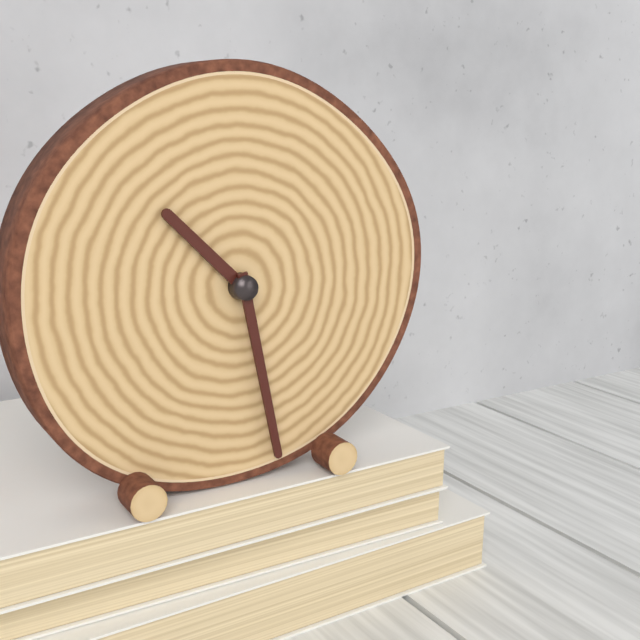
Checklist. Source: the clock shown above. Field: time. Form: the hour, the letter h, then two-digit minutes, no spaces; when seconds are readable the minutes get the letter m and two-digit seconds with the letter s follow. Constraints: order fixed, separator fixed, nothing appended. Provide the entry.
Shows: 10h28
